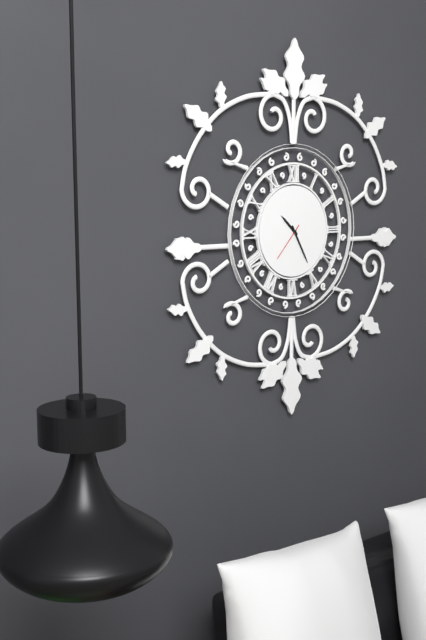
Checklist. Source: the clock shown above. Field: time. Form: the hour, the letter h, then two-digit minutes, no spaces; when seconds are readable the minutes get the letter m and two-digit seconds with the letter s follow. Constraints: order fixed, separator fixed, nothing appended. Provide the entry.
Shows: 10h25
